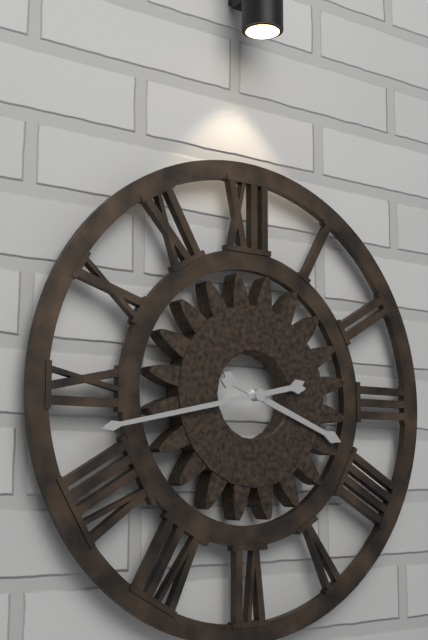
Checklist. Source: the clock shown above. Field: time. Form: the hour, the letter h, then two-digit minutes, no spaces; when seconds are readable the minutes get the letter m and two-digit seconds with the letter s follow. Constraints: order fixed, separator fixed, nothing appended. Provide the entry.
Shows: 3h43
